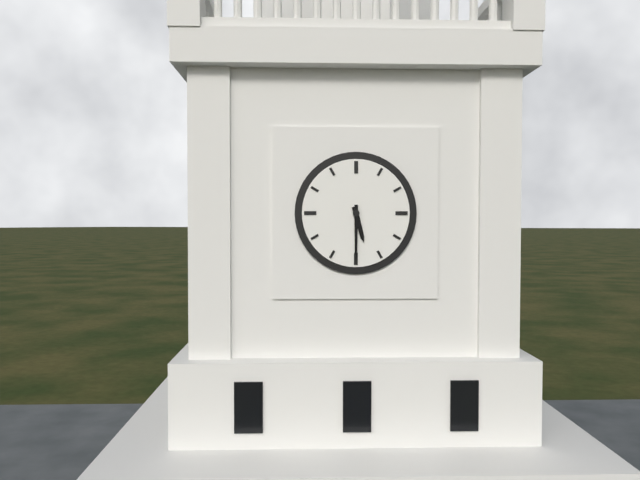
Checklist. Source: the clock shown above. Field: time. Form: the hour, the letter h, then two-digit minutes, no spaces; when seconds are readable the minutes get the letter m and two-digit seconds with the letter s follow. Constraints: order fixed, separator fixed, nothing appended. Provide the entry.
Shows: 5h30
